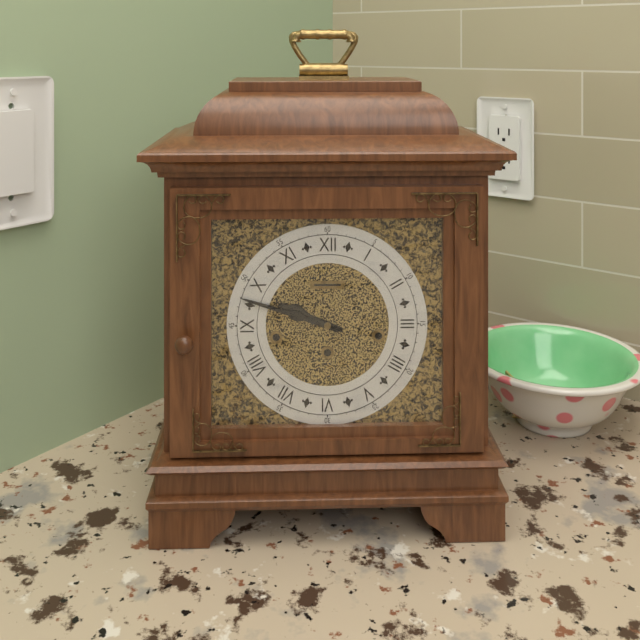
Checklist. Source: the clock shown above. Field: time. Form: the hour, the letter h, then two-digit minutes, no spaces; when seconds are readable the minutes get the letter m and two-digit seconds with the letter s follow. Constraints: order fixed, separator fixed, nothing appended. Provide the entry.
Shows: 9h48
